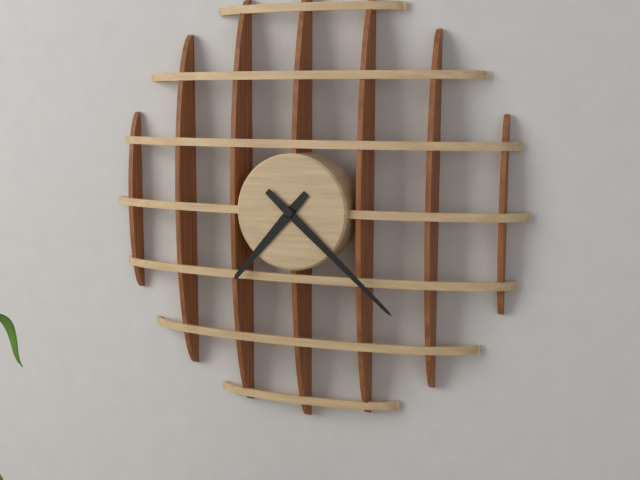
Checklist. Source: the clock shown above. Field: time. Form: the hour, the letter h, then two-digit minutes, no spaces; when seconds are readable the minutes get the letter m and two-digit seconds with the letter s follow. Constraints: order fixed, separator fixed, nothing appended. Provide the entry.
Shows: 7h22
